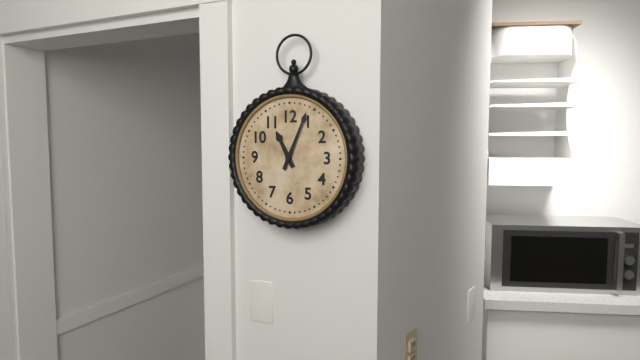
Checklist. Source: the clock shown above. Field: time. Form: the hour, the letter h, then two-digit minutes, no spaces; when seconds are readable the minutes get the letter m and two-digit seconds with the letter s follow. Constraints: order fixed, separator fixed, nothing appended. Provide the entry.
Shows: 11h04
